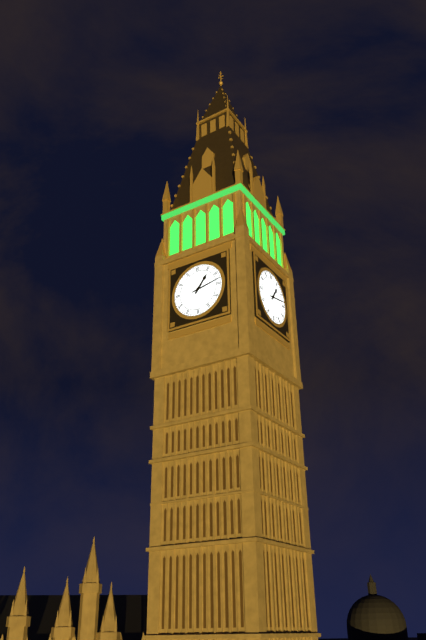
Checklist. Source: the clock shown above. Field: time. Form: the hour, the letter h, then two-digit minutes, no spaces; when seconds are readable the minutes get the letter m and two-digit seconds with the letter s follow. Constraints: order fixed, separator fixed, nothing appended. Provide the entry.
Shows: 1h13
